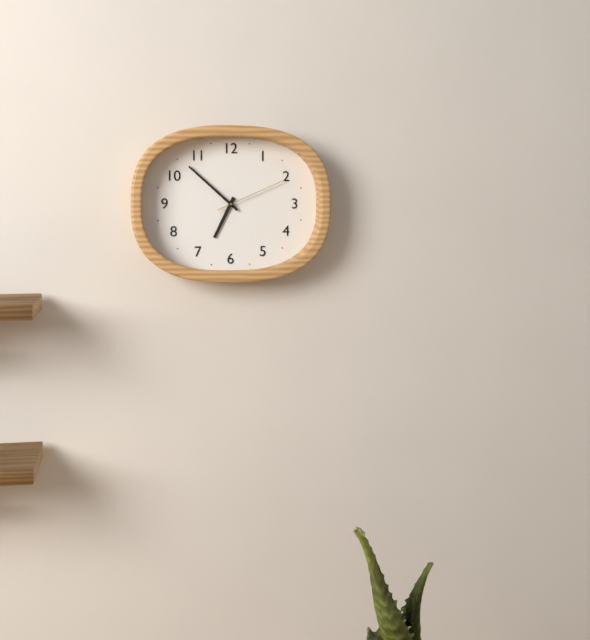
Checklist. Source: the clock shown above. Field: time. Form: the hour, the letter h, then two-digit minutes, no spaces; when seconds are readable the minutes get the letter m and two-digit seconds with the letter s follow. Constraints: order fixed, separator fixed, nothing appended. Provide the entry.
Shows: 6h52m11s
